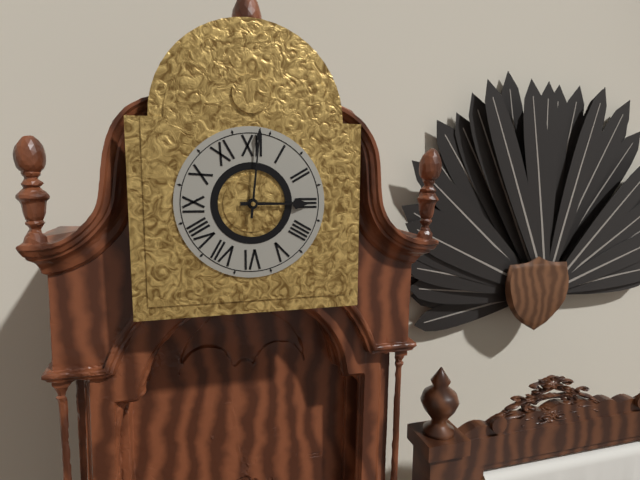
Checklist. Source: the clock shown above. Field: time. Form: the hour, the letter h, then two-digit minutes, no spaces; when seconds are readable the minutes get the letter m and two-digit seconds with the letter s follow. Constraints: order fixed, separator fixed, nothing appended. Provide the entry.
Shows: 3h01
